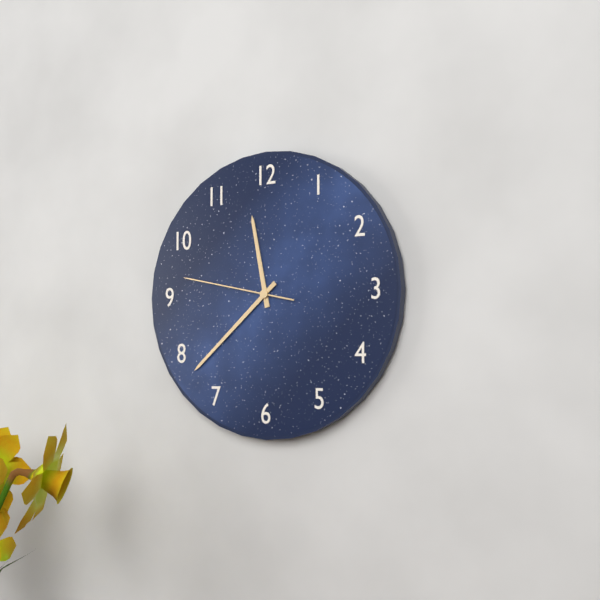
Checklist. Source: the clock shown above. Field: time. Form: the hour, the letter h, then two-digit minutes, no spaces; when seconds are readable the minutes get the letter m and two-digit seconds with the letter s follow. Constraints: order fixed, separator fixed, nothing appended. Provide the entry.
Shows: 11h38m47s
